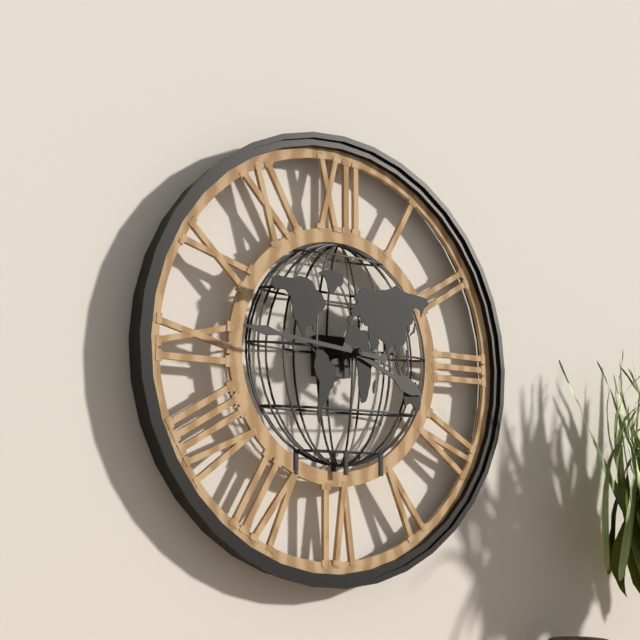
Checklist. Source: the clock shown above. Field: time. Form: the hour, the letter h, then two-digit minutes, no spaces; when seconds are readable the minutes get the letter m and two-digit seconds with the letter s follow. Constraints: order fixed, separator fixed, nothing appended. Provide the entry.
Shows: 3h46
